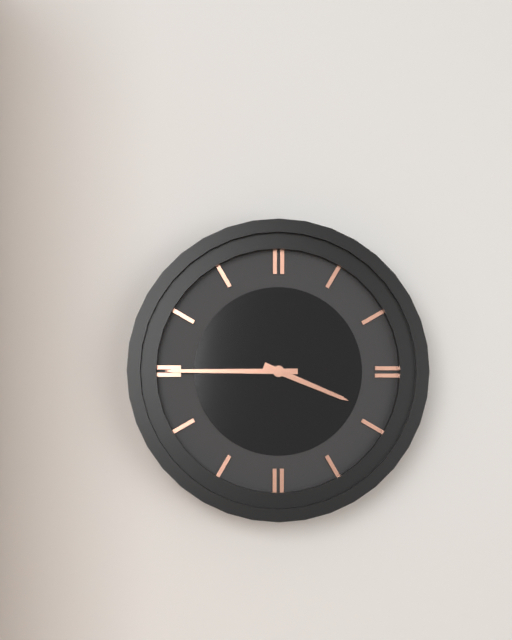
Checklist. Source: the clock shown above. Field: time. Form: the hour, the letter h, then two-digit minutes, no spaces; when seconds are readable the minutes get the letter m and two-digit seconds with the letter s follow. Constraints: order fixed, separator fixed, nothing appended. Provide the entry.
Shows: 3h45
